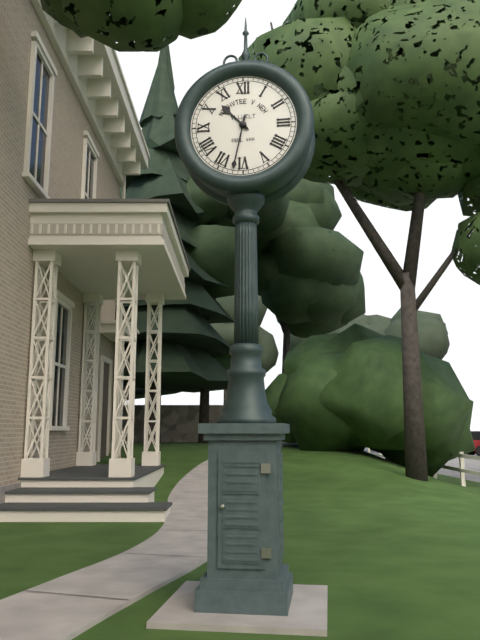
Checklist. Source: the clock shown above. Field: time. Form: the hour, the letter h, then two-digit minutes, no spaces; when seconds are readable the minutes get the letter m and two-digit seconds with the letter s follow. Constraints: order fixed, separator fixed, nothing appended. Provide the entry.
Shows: 10h32
